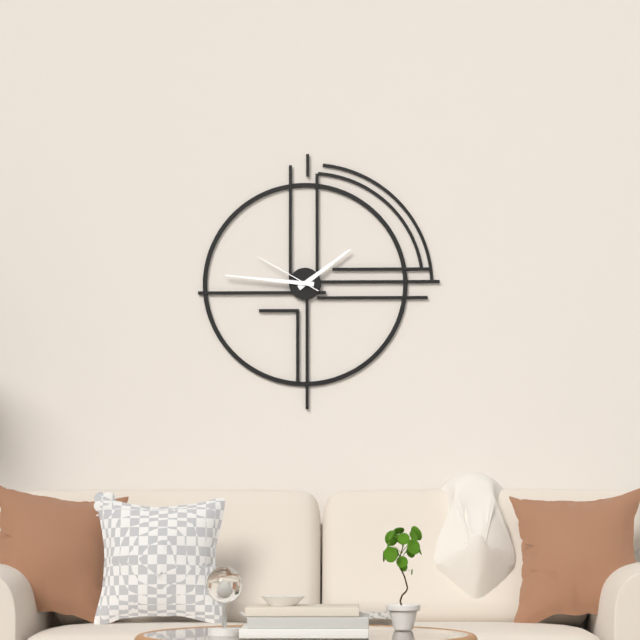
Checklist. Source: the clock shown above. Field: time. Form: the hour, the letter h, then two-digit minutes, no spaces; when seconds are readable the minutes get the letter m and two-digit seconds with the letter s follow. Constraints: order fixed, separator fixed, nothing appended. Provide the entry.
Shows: 1h46m50s
